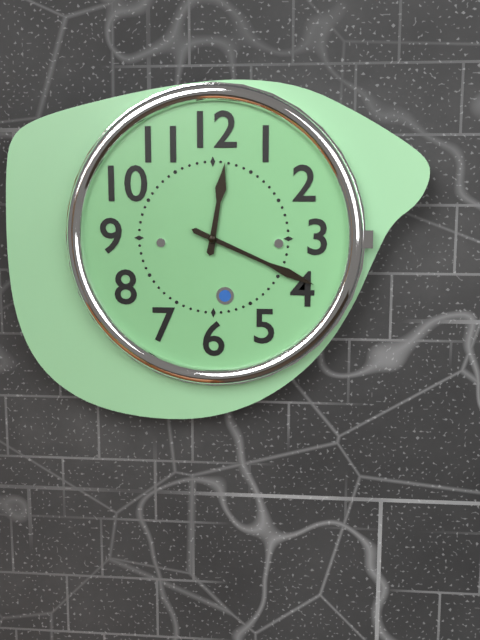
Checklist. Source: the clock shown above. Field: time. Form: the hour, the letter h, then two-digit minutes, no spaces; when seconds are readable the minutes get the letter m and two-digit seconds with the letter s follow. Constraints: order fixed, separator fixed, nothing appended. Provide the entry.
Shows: 12h19
